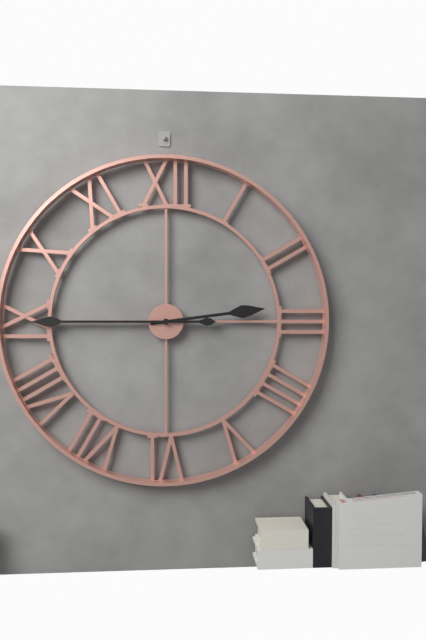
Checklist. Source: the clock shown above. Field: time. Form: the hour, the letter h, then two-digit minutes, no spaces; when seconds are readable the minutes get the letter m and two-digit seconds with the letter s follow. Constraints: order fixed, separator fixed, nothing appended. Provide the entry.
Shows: 2h45
